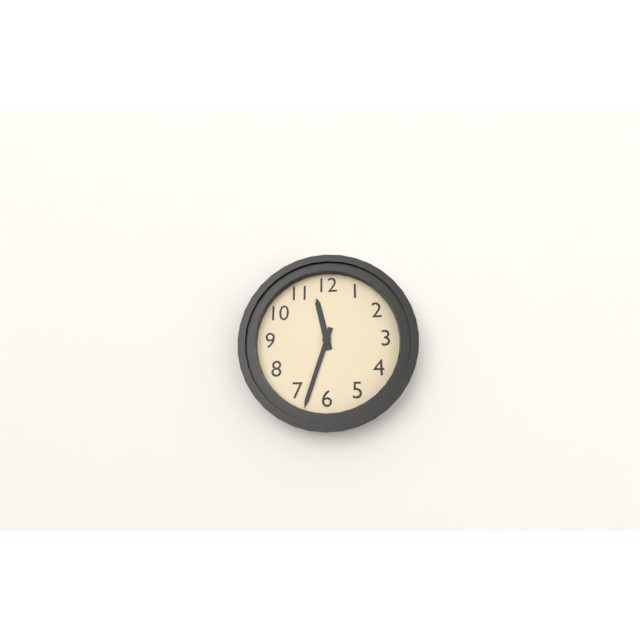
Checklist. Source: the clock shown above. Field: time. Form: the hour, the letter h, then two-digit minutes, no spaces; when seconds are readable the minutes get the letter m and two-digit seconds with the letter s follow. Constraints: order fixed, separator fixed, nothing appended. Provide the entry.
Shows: 11h33
